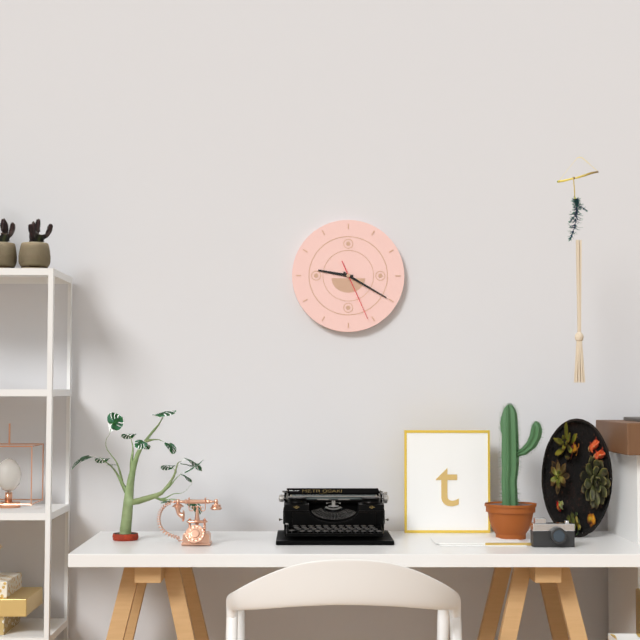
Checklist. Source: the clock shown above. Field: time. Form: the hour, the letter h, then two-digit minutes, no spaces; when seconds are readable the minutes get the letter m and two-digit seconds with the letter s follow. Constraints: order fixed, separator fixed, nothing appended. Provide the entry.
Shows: 9h20m26s
